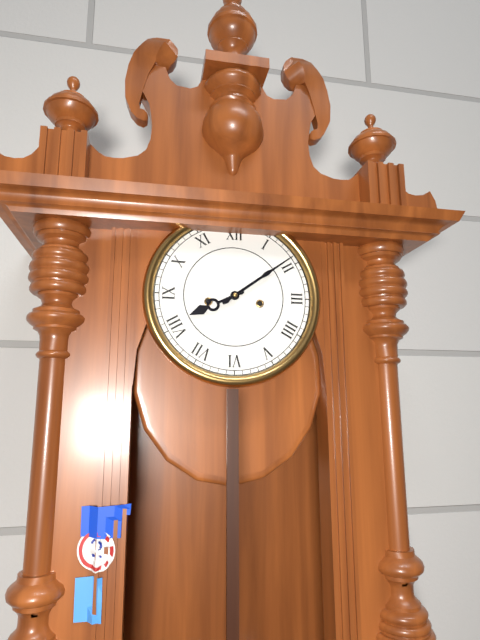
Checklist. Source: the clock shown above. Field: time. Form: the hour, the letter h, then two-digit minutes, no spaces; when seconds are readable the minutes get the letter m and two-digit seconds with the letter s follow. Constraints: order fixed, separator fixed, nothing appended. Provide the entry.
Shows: 8h09
